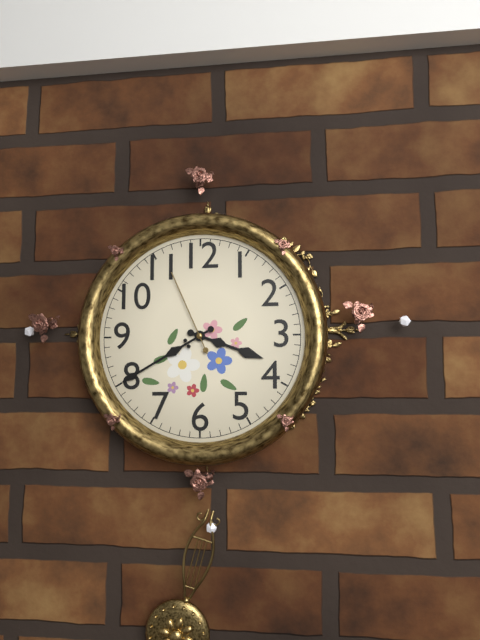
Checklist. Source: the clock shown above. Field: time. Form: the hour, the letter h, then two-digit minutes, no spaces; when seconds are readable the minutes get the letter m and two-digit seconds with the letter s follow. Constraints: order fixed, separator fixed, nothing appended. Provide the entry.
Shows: 3h40m56s
